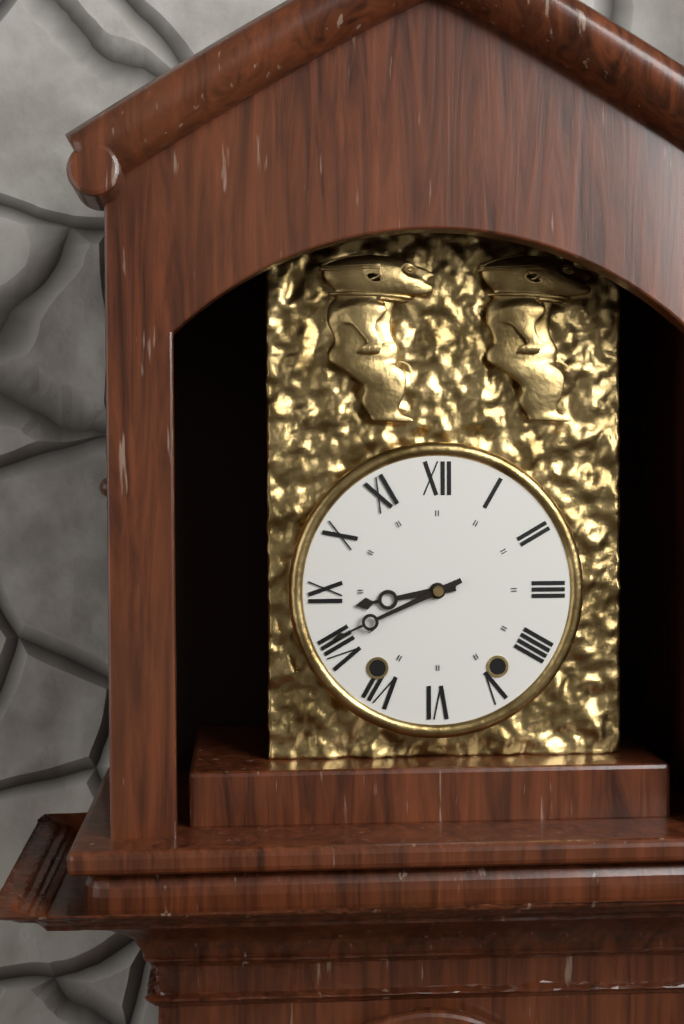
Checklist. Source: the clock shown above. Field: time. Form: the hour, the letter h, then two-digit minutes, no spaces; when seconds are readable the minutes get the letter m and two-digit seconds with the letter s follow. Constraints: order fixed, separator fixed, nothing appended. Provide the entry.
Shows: 8h41
